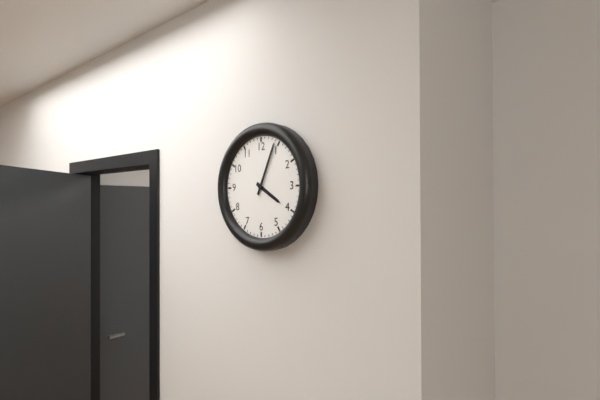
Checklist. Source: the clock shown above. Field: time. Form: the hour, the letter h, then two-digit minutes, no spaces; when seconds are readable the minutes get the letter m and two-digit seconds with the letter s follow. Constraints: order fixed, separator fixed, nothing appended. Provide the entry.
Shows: 4h04
